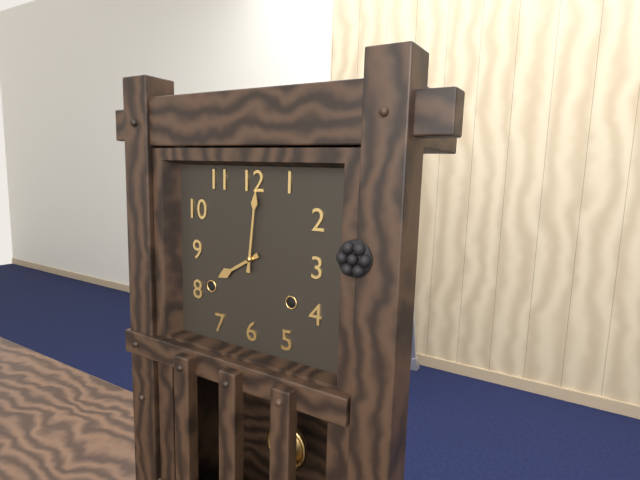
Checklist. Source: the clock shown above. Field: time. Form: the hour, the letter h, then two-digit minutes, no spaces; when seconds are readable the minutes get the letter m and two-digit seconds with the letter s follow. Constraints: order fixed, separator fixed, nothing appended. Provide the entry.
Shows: 8h01
